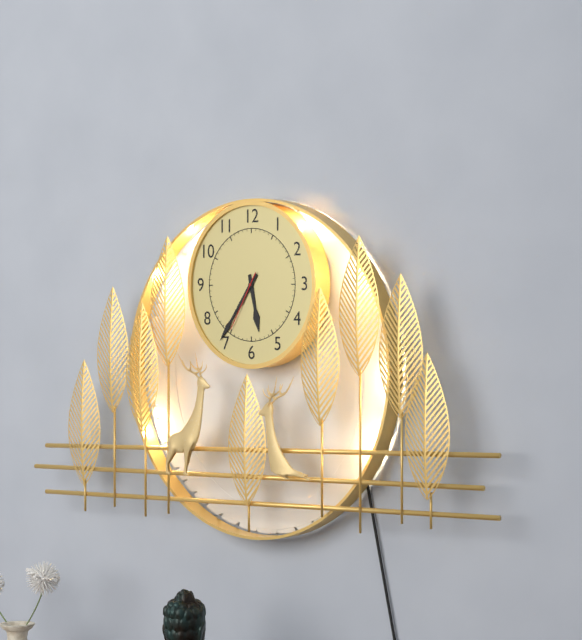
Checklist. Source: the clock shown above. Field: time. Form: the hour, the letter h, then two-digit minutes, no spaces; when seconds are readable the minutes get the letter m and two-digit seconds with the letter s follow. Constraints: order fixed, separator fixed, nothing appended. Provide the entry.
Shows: 5h36m35s
